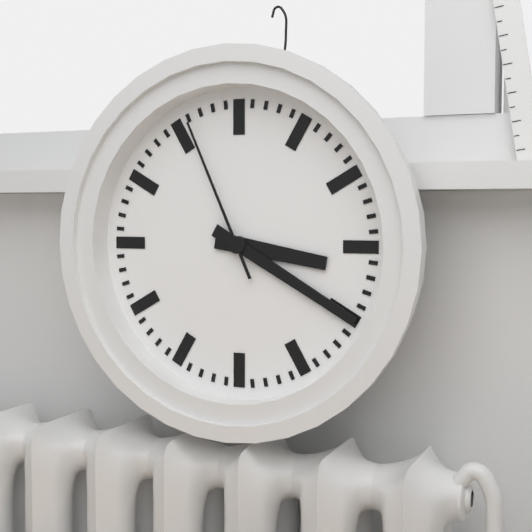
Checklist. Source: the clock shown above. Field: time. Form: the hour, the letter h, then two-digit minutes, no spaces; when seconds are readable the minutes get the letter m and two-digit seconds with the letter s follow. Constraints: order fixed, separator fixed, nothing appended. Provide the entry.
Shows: 3h20m56s
